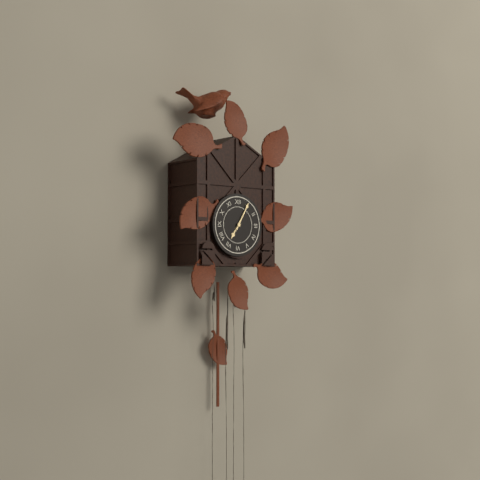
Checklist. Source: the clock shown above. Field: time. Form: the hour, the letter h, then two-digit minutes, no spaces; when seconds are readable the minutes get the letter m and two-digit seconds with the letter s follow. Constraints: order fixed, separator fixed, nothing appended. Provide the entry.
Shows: 7h05
